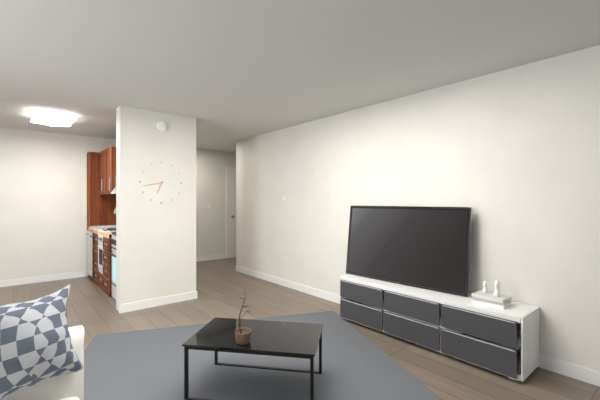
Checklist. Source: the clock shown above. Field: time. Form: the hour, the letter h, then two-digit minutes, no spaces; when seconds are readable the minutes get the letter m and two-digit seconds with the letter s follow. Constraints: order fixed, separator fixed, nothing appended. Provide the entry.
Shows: 6h43
